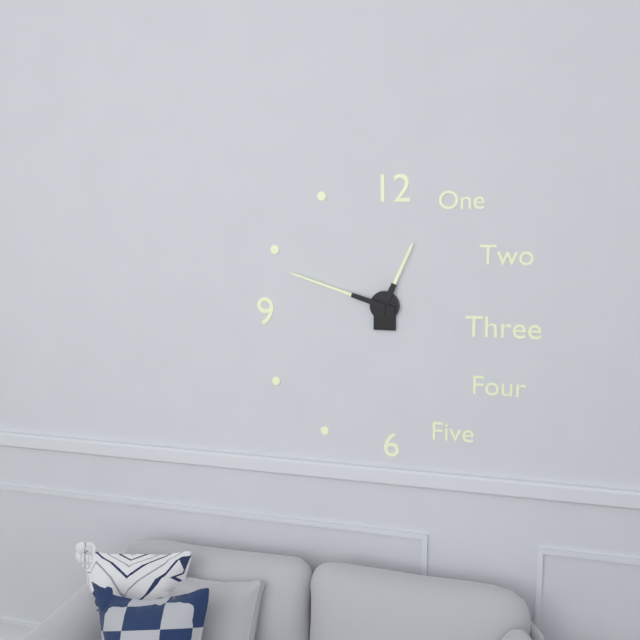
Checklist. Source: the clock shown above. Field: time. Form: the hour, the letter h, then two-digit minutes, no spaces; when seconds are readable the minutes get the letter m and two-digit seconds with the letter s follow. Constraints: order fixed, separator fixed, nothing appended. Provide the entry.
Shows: 12h48
